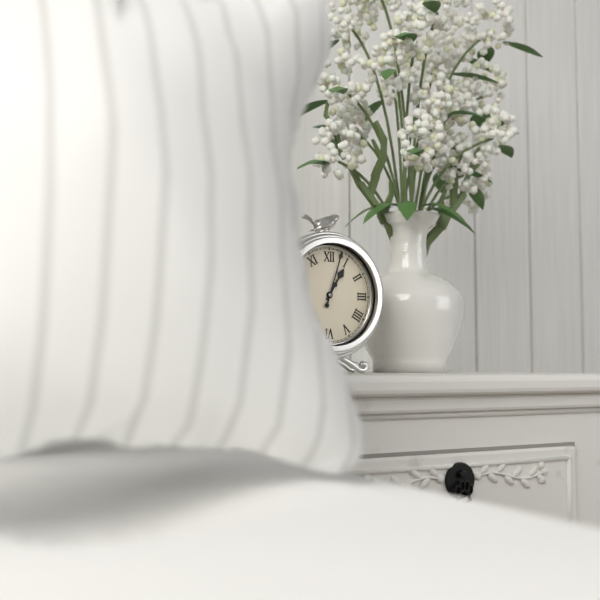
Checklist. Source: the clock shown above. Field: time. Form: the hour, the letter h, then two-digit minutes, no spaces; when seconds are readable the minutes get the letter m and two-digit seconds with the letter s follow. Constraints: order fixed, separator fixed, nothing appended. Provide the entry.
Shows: 1h03
